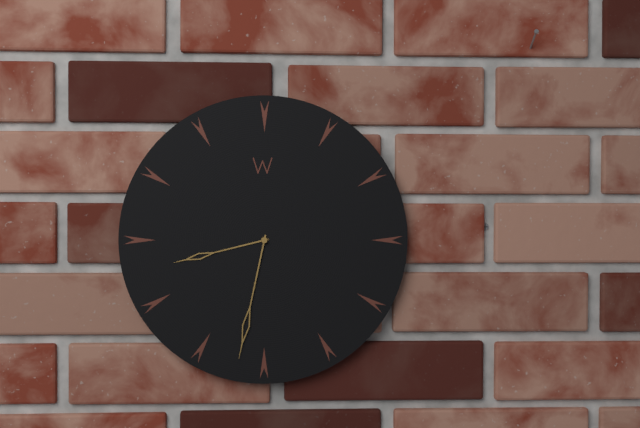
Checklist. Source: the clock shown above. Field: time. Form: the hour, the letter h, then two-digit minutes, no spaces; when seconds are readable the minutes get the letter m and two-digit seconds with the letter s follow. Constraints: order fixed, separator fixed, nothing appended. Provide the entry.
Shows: 8h32
